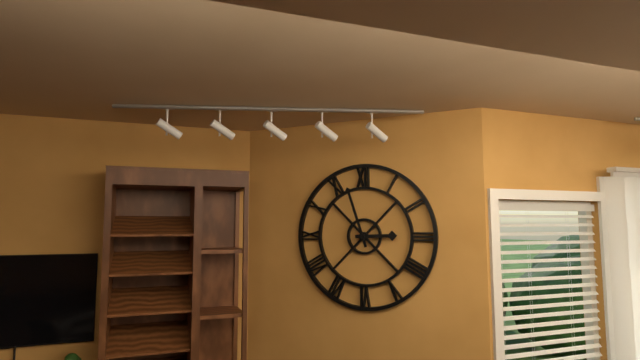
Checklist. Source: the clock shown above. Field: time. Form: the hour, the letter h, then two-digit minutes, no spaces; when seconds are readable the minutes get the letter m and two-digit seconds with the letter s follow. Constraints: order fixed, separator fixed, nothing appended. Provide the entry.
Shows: 2h57
